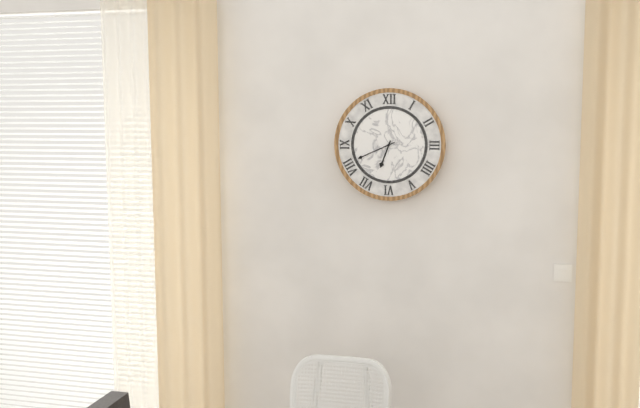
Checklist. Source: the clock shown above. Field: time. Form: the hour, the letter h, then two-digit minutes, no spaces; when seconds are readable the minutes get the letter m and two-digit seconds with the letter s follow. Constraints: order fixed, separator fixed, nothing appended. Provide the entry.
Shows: 6h41
